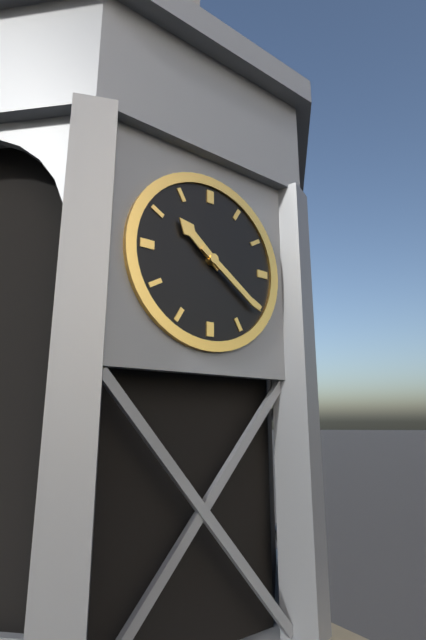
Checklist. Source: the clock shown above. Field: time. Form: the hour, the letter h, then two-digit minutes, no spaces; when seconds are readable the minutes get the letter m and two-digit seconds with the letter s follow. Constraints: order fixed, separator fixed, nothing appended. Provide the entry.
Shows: 10h21
